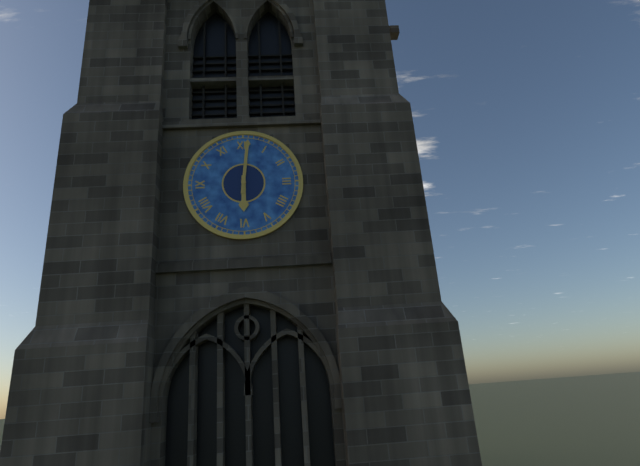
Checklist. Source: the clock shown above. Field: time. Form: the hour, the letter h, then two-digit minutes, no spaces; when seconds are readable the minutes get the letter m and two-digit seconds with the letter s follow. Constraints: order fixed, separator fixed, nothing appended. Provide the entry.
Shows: 6h01
